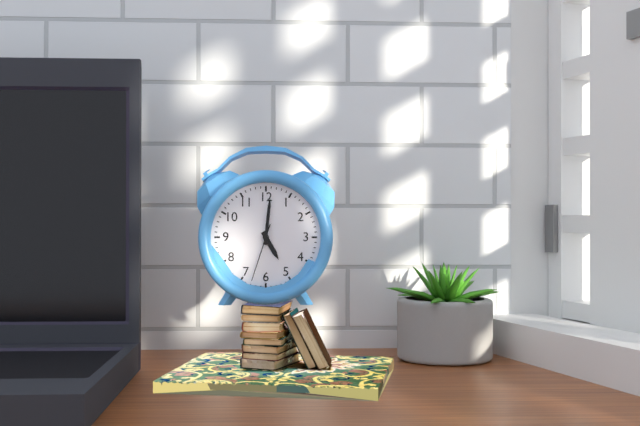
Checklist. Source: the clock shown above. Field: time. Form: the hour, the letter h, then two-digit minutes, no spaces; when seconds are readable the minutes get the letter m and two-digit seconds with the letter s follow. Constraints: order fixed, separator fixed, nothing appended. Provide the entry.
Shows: 5h01m33s
